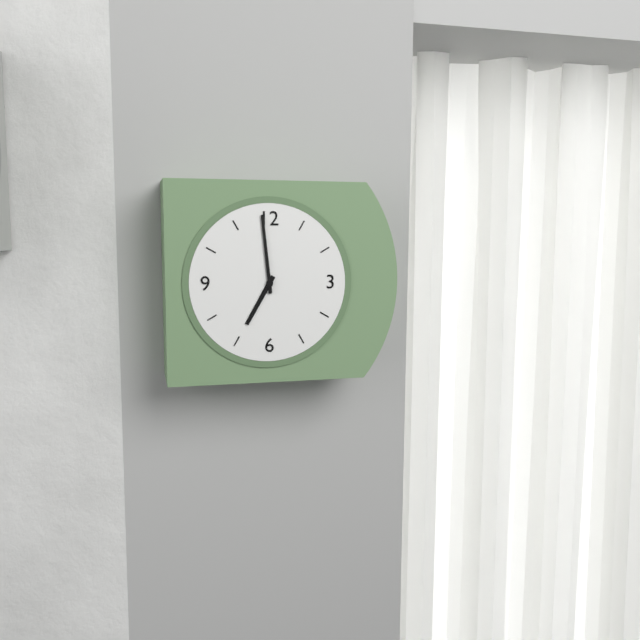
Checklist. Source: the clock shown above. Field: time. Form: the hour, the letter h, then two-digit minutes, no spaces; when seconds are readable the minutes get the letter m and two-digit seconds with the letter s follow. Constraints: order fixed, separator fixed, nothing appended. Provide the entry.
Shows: 6h59
